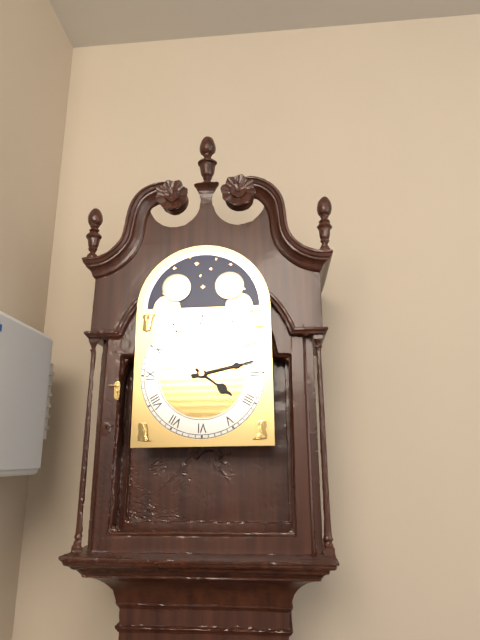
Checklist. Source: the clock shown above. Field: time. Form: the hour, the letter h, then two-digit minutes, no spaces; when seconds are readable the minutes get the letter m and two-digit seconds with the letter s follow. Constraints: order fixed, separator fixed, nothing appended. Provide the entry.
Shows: 4h13
